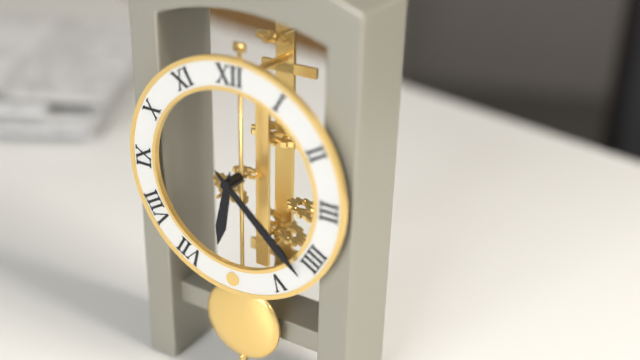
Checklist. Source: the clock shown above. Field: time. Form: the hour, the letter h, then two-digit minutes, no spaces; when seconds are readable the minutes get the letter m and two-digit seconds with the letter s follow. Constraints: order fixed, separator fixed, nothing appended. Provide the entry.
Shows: 6h22
